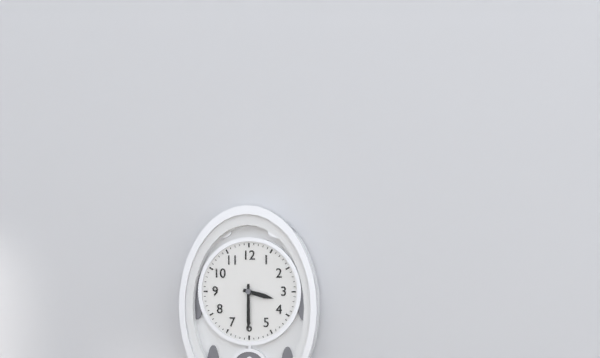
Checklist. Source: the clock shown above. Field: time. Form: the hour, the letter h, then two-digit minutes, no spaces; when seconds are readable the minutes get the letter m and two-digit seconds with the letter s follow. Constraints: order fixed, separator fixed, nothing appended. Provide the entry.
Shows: 3h30
